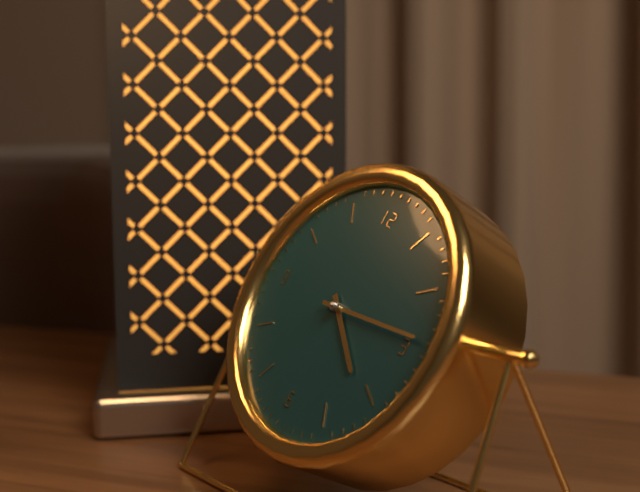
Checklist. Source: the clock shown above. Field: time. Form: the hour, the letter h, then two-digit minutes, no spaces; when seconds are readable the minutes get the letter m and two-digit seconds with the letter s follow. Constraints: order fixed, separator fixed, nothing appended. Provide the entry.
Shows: 4h14
